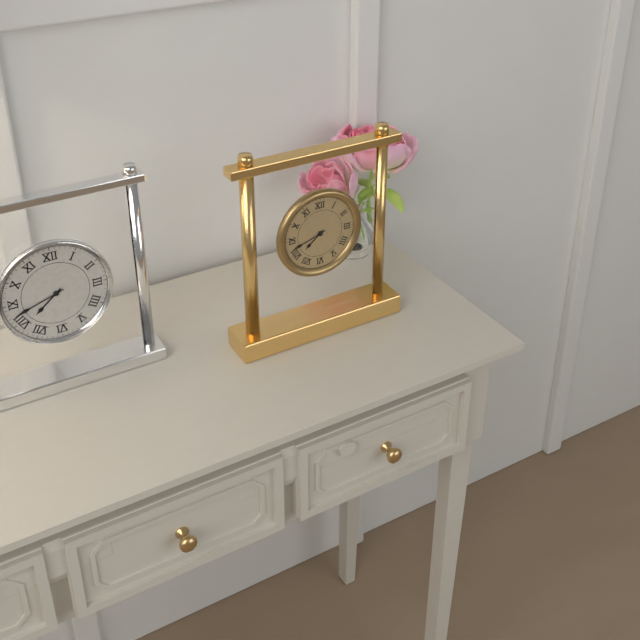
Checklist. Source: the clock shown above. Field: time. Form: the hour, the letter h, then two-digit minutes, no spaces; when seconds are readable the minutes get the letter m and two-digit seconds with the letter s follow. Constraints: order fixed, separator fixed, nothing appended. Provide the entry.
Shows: 7h42
